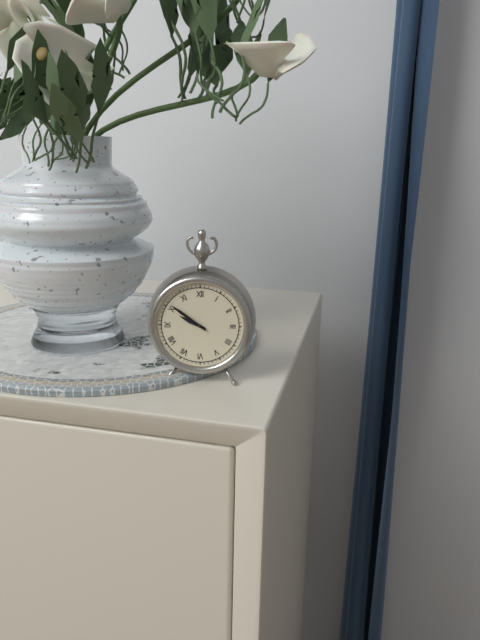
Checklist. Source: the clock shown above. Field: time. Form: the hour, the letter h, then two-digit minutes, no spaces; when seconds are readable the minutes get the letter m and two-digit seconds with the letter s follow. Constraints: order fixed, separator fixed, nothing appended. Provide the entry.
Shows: 9h51
